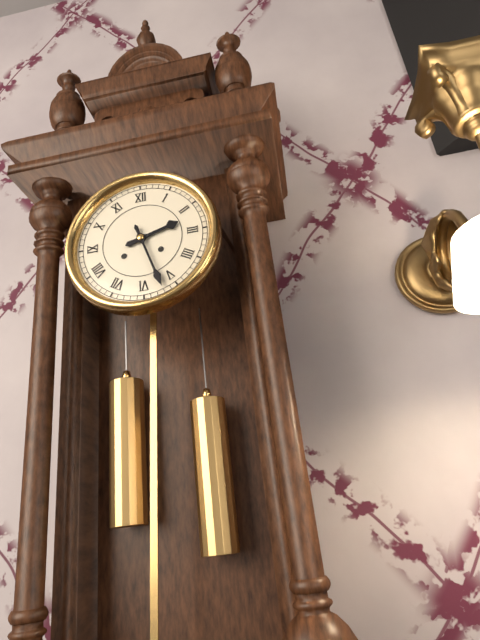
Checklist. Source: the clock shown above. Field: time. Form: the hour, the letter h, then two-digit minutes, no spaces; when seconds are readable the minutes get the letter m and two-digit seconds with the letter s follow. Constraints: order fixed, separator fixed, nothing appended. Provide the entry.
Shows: 2h27
